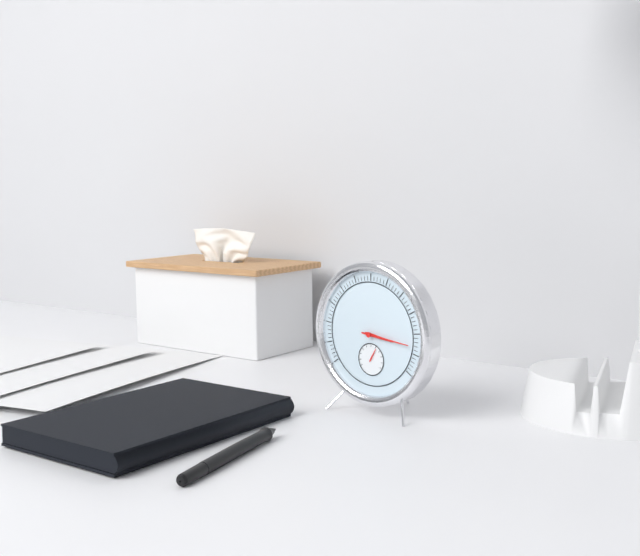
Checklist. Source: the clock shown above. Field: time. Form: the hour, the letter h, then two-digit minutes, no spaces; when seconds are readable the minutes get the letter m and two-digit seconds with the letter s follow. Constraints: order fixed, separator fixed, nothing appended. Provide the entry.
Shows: 3h16
